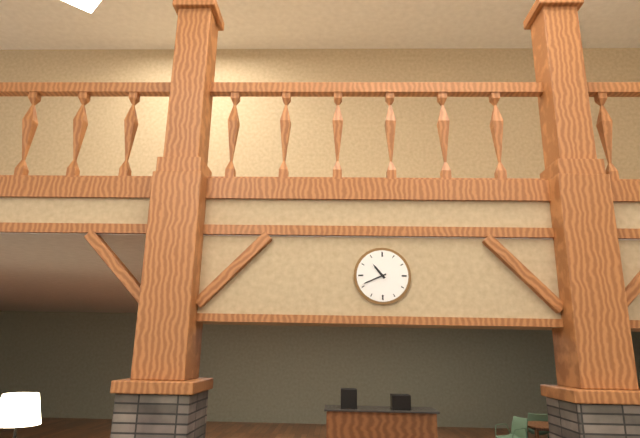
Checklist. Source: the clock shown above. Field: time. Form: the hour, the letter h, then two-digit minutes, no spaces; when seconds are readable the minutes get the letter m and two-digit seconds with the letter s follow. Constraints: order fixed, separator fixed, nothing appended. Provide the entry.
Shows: 10h41
